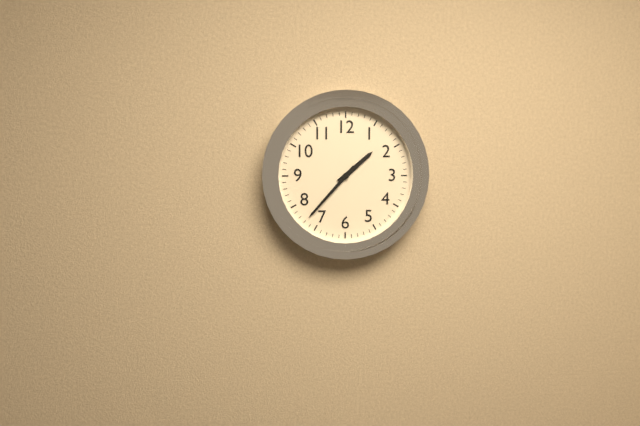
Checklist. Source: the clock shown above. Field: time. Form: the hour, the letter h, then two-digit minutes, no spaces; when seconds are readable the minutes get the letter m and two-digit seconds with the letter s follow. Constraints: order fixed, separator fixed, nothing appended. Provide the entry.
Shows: 1h37
